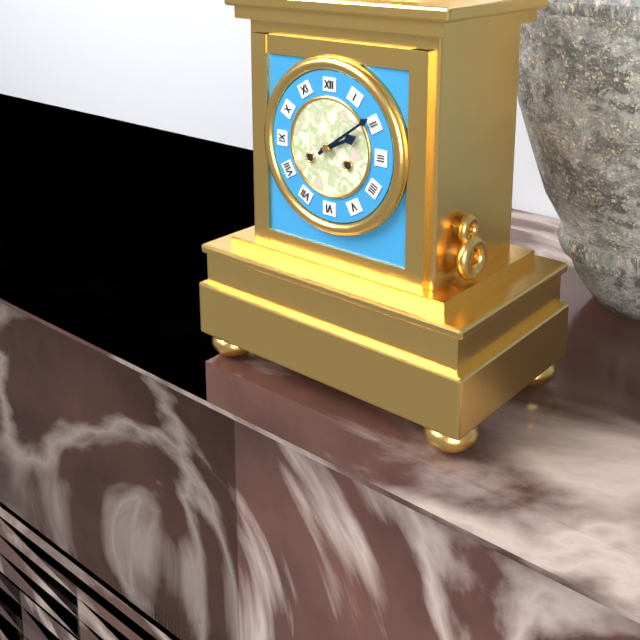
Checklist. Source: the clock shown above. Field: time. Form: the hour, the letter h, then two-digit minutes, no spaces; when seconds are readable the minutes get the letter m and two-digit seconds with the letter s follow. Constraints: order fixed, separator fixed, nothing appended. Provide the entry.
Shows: 2h09
